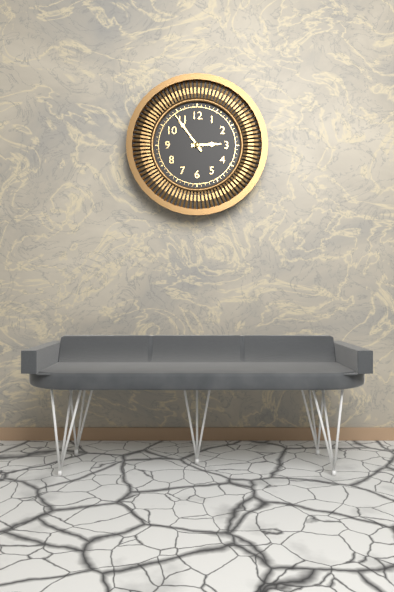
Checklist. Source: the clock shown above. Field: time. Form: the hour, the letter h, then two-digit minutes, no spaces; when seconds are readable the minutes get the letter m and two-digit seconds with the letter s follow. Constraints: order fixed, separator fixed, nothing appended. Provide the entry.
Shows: 2h54
